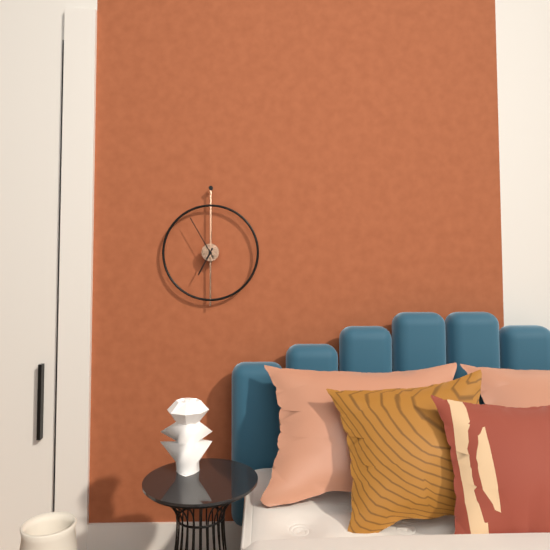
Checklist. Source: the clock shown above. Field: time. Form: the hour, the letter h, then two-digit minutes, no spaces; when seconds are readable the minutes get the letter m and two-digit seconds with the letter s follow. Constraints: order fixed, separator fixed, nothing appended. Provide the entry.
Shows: 6h55
